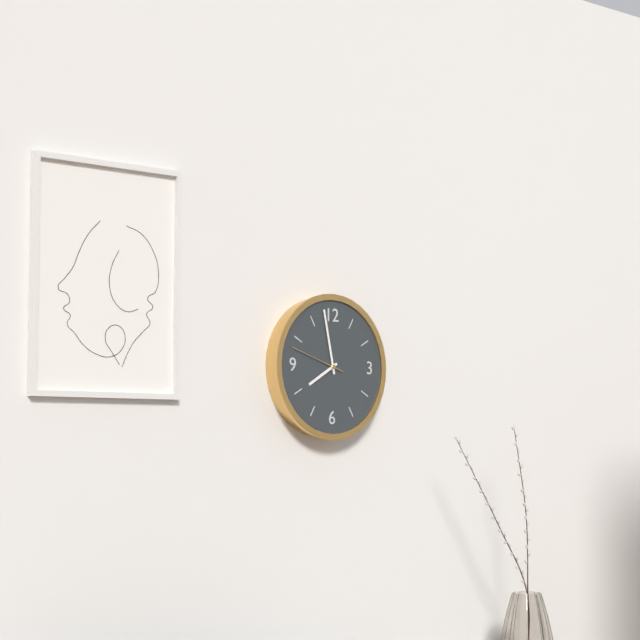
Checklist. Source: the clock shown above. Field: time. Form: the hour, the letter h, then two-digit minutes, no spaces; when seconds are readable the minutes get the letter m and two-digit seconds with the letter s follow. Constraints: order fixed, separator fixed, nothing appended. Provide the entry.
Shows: 7h58m48s
